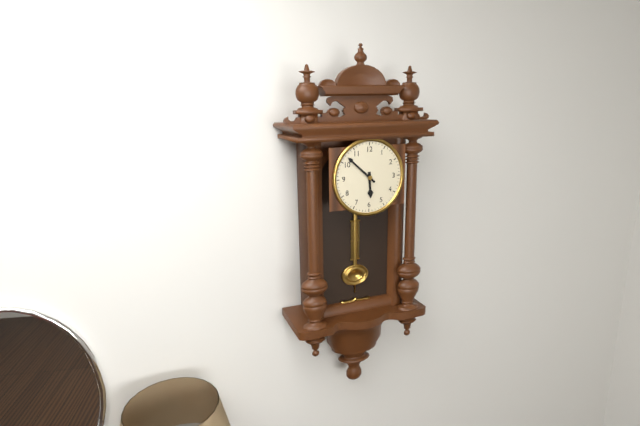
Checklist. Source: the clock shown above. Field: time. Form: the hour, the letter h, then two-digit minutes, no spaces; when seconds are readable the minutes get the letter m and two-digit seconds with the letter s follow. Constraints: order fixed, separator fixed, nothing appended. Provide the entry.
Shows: 5h52
